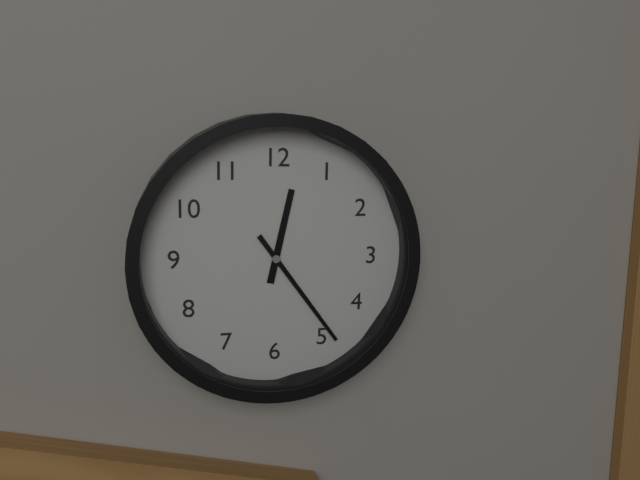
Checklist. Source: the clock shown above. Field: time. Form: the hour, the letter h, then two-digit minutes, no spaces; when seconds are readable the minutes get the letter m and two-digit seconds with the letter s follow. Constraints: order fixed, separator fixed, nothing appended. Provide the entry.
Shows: 12h24
